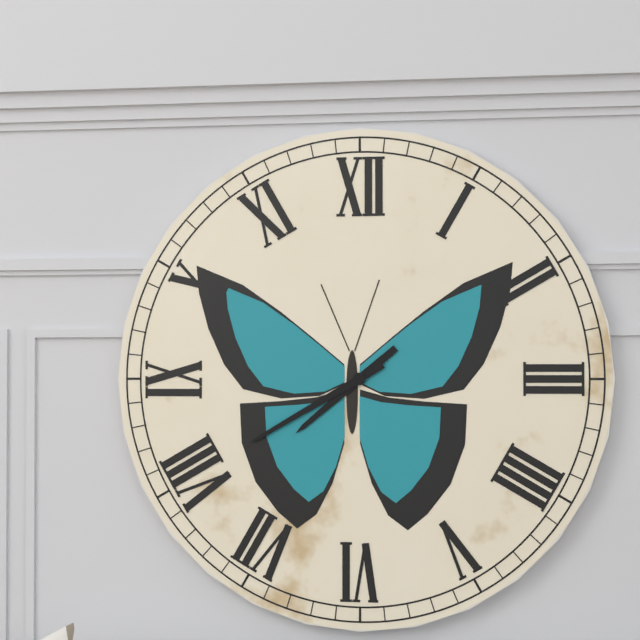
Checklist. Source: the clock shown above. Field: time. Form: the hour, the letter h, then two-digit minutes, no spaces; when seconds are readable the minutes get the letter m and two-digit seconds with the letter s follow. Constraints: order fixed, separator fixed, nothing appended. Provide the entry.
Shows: 7h40
